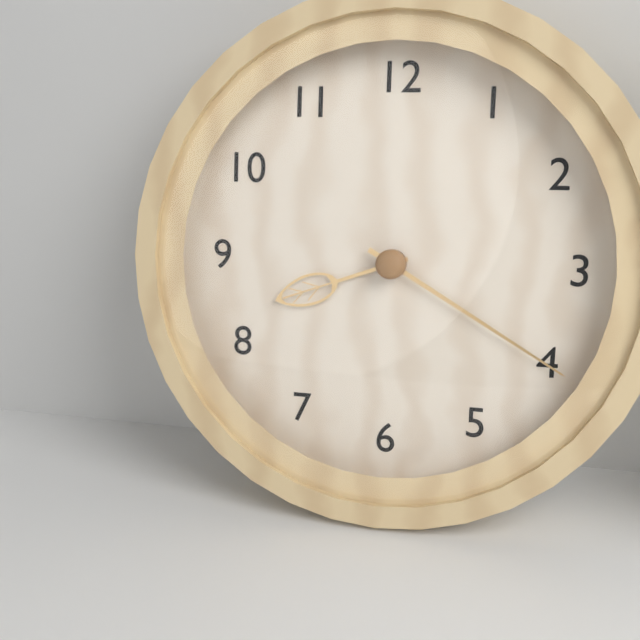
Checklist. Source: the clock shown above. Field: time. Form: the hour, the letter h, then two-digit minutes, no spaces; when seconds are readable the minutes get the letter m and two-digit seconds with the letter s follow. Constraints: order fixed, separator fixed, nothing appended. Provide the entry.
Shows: 8h20
